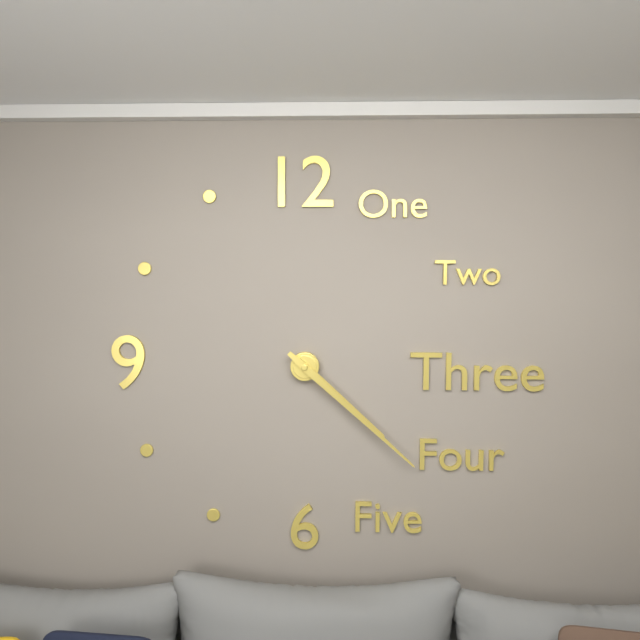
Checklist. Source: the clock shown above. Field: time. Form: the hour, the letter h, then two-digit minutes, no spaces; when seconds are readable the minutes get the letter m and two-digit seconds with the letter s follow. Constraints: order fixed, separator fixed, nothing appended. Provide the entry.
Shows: 4h22
